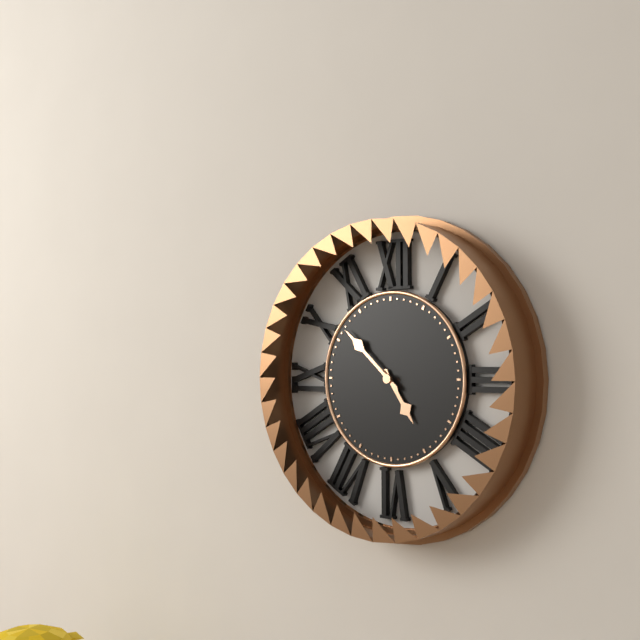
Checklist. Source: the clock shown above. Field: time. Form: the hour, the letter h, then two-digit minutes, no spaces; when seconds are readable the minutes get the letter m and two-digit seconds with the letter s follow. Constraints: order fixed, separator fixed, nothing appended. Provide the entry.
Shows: 4h52
